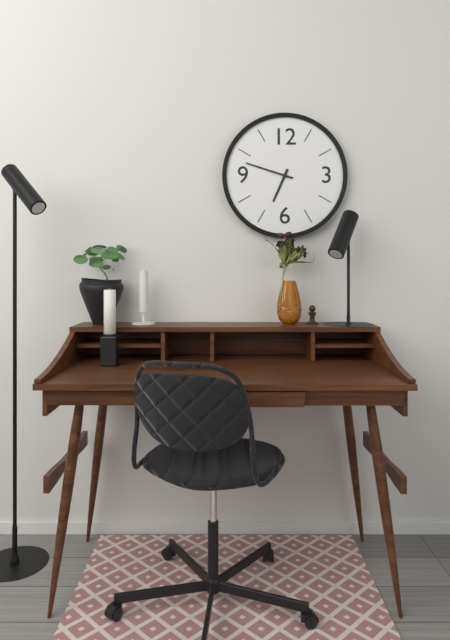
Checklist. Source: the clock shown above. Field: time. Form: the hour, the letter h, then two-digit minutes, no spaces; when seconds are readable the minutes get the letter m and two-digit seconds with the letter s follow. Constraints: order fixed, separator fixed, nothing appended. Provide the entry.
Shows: 6h48
